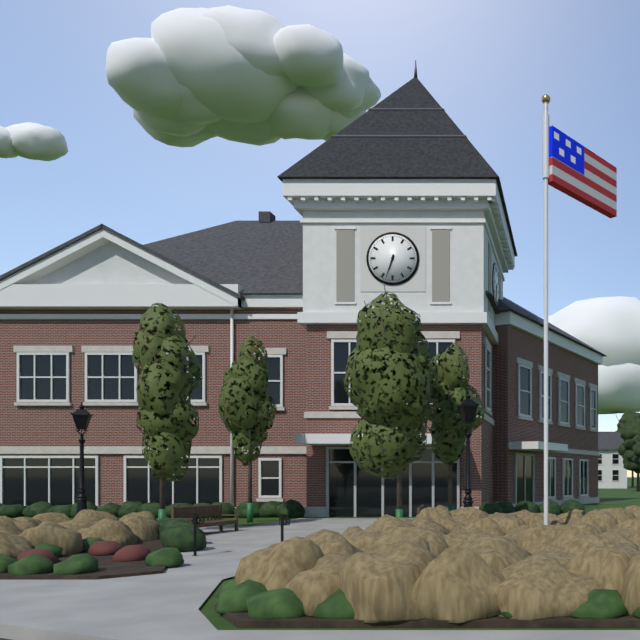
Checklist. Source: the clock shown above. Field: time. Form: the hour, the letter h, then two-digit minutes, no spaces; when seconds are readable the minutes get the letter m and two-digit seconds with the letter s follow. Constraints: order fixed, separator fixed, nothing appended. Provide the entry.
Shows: 6h33
